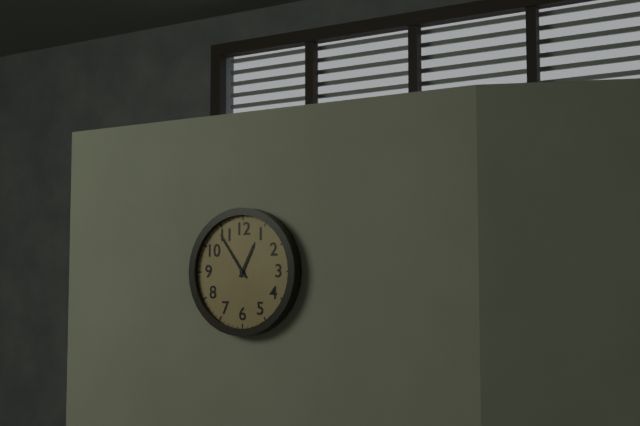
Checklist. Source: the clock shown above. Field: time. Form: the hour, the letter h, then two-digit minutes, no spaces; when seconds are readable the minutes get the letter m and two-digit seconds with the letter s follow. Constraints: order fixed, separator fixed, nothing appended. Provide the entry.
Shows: 12h54
